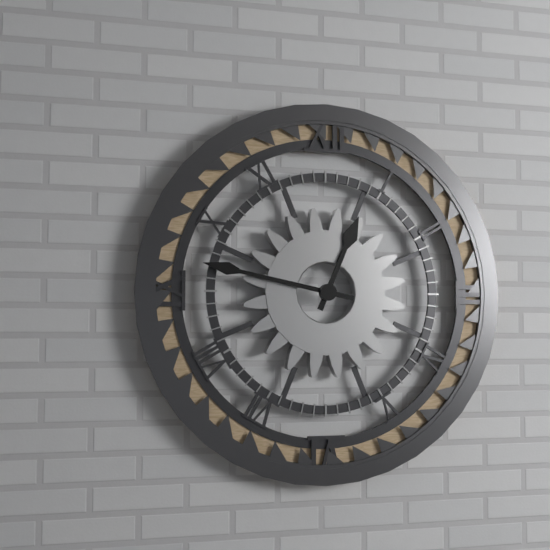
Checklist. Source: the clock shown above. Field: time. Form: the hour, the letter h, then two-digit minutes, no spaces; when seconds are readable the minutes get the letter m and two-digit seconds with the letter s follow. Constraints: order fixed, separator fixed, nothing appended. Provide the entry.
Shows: 12h47
